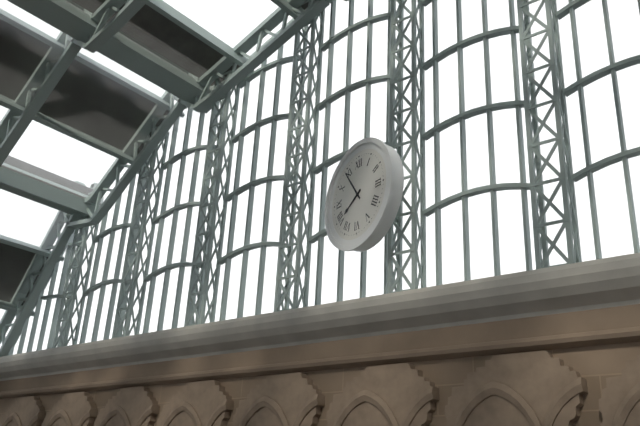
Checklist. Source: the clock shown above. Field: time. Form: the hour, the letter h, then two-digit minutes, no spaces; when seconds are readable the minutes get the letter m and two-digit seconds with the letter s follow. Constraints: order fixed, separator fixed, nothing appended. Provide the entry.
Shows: 7h54
